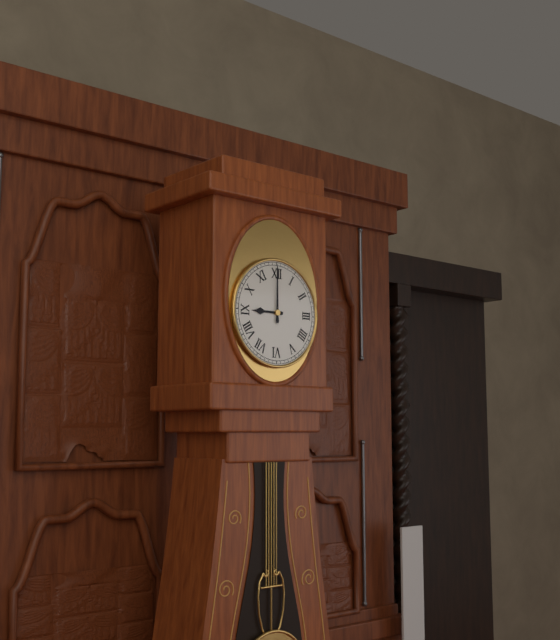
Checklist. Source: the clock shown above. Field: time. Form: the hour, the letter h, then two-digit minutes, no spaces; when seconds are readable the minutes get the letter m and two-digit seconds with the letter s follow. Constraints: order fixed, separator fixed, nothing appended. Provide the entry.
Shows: 9h00
